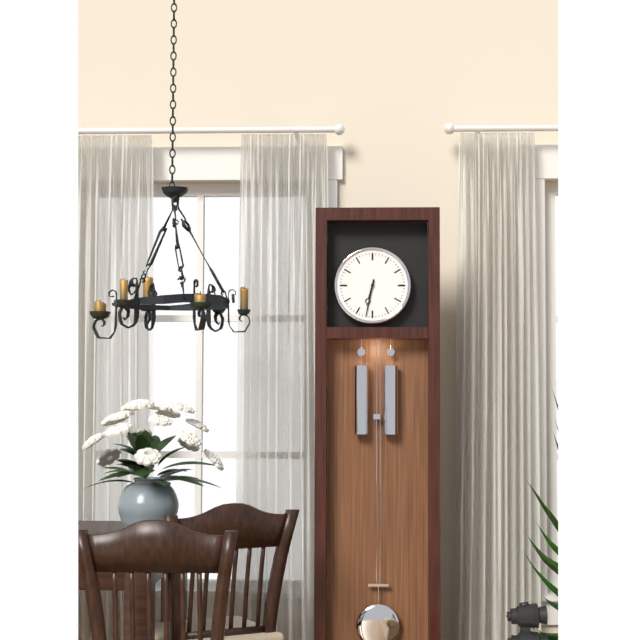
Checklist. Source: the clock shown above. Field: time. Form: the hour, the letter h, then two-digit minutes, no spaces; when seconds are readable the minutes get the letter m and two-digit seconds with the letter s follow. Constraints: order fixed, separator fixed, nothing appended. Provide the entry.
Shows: 6h32
